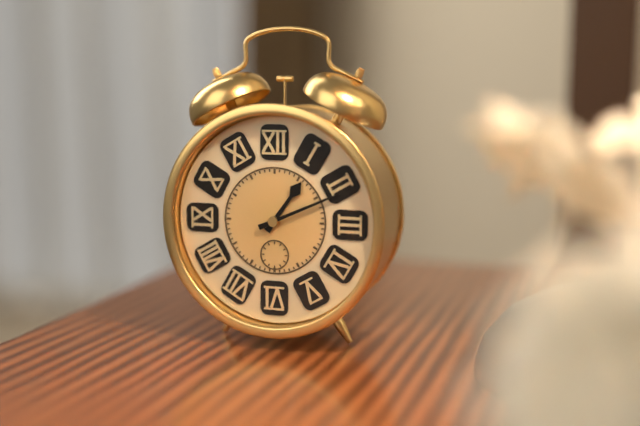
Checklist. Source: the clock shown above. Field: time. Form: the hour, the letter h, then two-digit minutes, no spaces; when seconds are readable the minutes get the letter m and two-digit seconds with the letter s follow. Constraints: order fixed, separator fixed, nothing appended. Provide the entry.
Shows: 1h11
